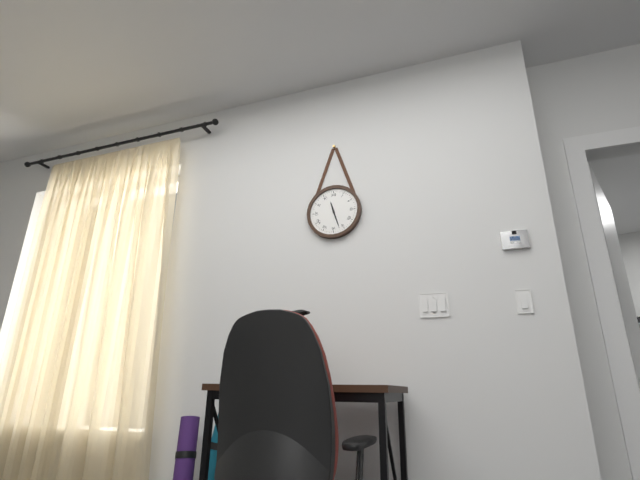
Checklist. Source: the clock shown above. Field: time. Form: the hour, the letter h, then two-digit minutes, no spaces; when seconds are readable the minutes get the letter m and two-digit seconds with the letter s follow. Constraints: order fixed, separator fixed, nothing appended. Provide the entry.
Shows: 11h27
